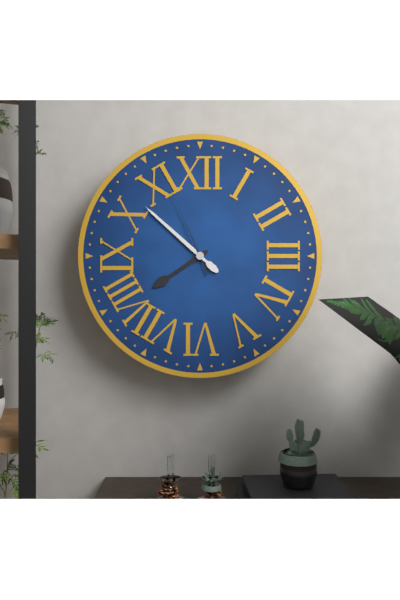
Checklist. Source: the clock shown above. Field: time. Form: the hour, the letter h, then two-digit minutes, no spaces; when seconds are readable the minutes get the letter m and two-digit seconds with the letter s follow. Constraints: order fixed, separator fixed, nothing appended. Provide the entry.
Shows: 7h52m56s
